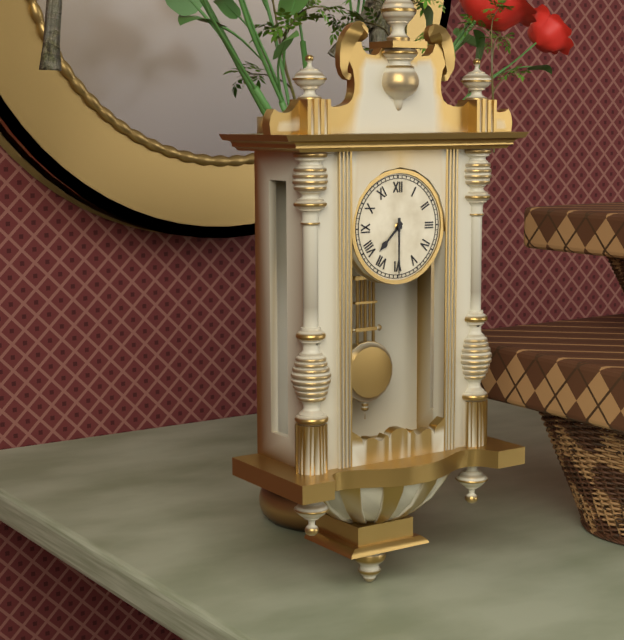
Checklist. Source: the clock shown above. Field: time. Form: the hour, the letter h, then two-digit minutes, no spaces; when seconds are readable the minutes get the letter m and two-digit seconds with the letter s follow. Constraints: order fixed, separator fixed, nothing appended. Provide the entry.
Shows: 7h30
